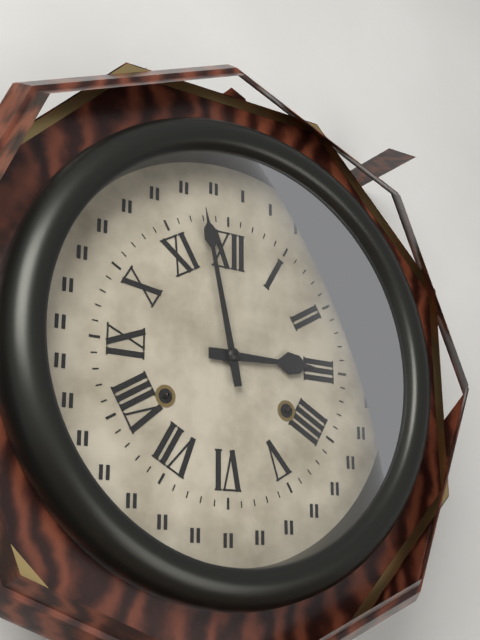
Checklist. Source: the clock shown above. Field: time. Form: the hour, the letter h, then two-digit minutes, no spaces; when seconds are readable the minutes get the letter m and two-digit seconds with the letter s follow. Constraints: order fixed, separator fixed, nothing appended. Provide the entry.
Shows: 2h58
